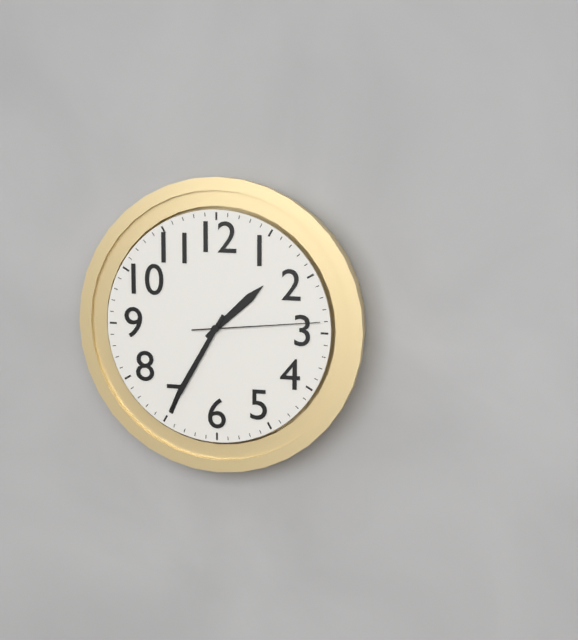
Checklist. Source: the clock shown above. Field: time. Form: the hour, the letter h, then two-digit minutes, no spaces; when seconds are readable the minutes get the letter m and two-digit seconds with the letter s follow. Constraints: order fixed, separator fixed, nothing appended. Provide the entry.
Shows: 1h35m14s
